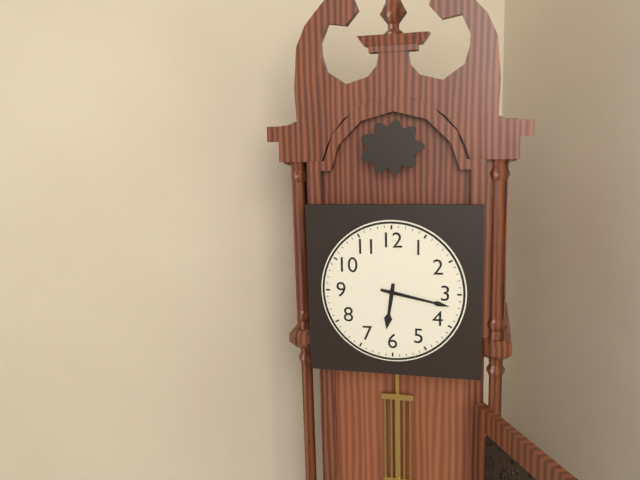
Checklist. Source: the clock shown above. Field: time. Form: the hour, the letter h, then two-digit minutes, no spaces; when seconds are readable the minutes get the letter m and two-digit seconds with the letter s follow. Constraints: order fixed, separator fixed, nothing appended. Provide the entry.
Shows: 6h17
